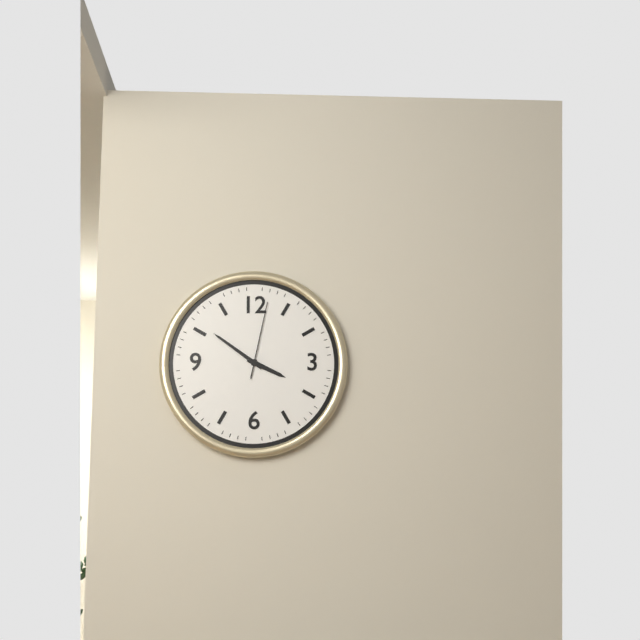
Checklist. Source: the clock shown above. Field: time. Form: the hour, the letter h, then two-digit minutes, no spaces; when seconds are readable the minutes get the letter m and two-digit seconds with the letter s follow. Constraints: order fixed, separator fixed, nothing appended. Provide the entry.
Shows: 3h51m02s
